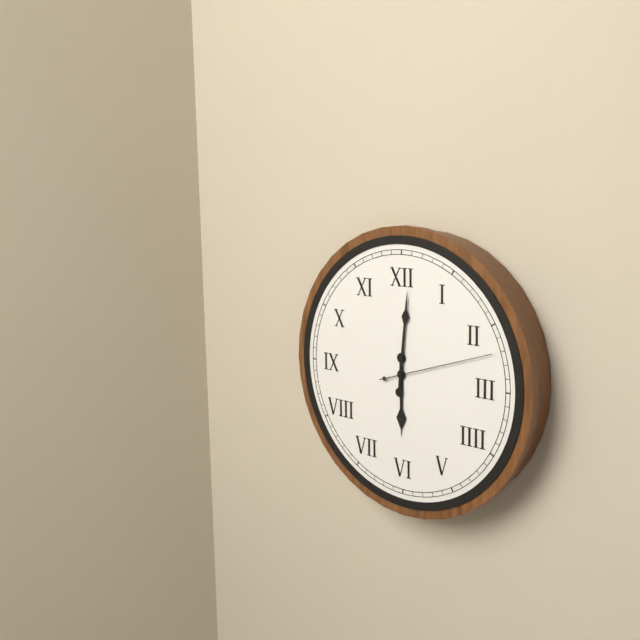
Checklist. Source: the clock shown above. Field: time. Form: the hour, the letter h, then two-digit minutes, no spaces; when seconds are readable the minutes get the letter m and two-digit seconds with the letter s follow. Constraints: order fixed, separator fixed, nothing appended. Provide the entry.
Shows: 6h01m12s
